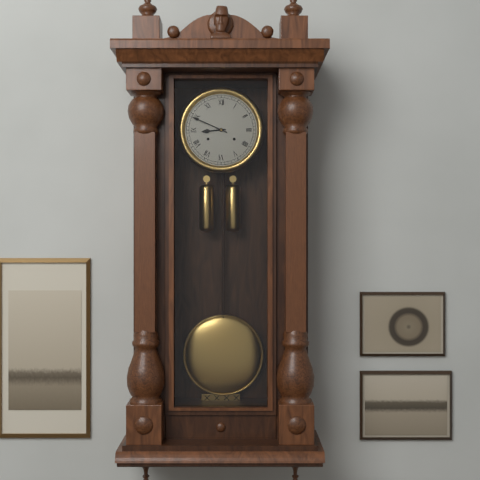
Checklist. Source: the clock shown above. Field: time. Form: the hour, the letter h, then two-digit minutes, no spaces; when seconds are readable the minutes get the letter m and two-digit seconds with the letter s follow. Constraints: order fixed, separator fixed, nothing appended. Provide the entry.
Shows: 8h49
